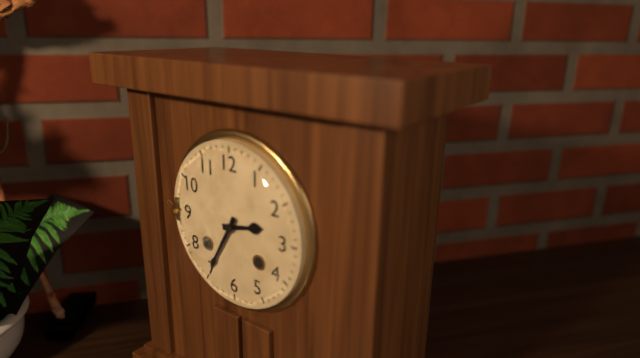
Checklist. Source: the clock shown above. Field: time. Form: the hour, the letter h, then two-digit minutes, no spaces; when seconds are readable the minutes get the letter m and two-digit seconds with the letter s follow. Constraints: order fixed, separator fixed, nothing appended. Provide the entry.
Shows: 2h35
